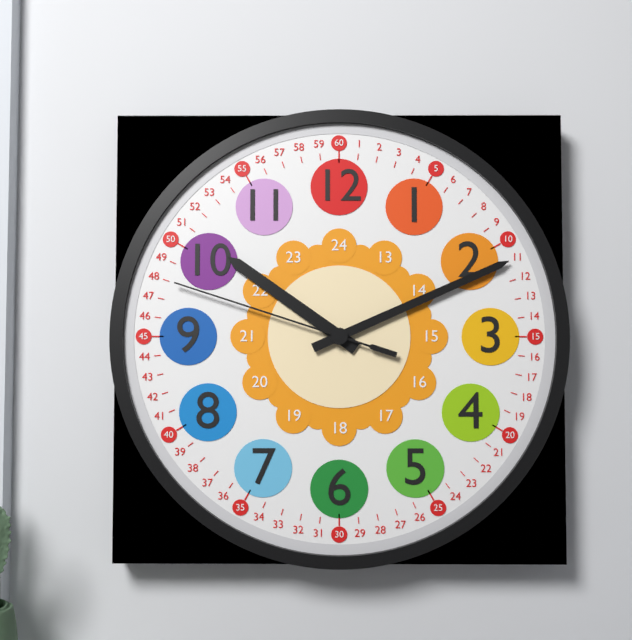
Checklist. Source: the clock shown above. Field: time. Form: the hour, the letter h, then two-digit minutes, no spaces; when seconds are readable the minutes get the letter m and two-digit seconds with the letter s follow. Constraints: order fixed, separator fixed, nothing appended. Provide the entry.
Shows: 10h11m48s
